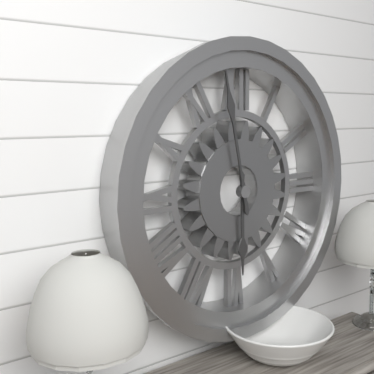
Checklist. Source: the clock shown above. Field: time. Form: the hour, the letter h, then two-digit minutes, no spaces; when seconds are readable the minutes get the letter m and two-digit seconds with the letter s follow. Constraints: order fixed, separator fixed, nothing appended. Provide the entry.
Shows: 5h58
